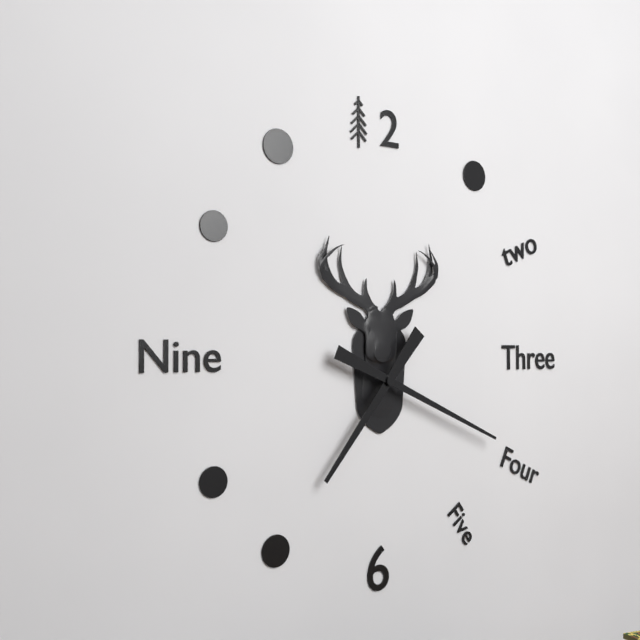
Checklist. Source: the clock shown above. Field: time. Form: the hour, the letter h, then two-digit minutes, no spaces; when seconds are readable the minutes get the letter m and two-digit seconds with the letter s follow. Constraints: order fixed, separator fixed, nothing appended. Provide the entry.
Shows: 7h19
